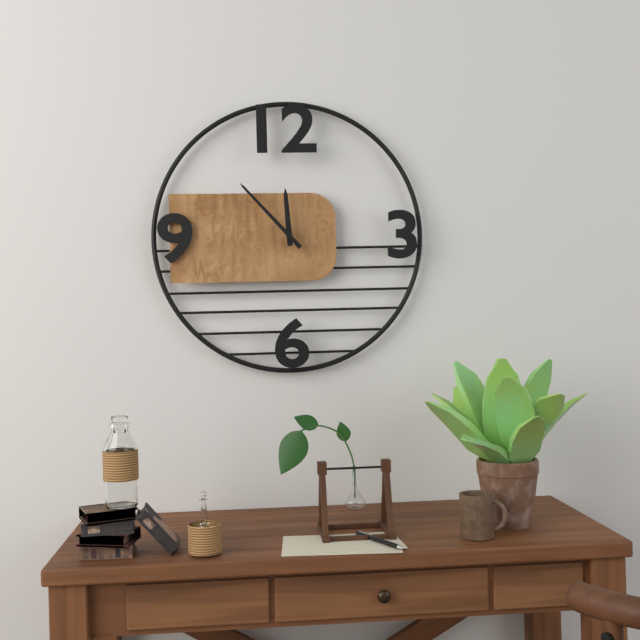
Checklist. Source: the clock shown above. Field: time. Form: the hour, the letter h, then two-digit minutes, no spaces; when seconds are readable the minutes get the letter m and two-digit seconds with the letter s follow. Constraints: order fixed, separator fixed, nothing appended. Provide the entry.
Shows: 11h53
